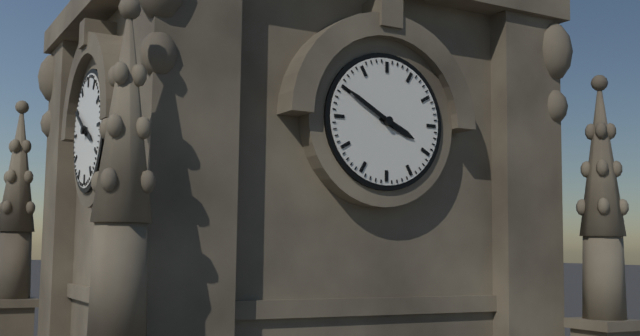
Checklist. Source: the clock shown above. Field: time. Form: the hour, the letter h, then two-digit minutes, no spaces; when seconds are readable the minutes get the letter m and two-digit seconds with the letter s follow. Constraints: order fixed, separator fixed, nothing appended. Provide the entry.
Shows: 3h50
